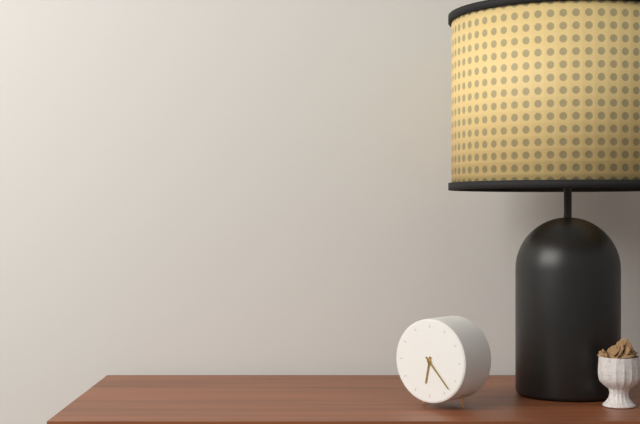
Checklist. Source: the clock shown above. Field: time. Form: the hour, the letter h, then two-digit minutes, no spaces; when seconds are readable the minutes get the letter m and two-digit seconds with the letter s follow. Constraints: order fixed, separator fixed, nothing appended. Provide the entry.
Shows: 6h23
